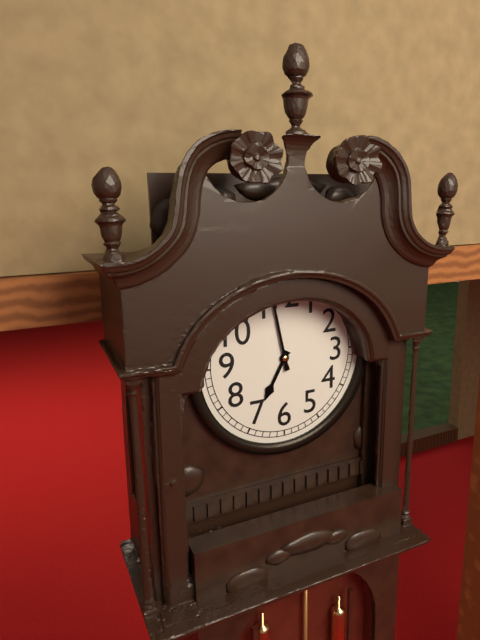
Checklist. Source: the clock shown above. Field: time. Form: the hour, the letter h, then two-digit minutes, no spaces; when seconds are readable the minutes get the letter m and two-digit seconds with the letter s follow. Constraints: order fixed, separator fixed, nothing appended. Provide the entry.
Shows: 6h58
